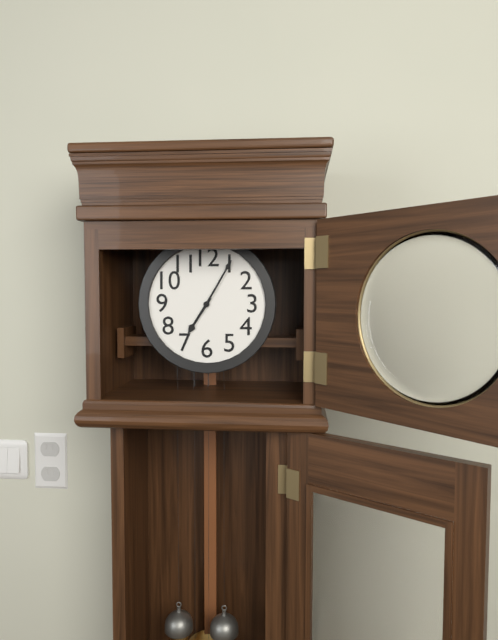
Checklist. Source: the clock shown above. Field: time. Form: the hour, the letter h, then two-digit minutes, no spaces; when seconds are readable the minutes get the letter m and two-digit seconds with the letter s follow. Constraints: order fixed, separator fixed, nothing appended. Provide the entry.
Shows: 7h05
